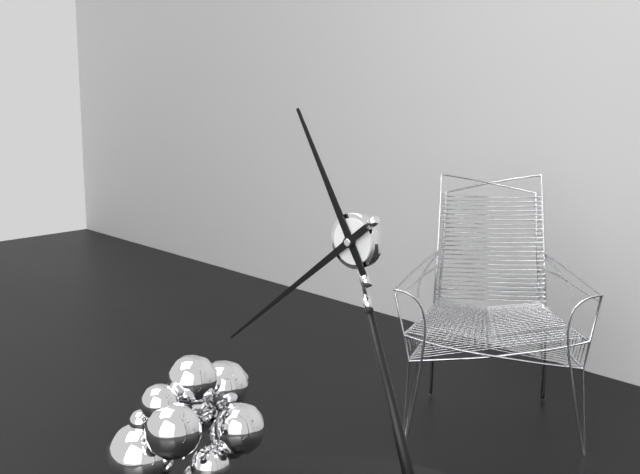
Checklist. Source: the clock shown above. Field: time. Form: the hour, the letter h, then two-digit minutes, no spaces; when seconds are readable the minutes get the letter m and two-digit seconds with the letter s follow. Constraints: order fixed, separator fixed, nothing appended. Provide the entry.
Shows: 11h42
